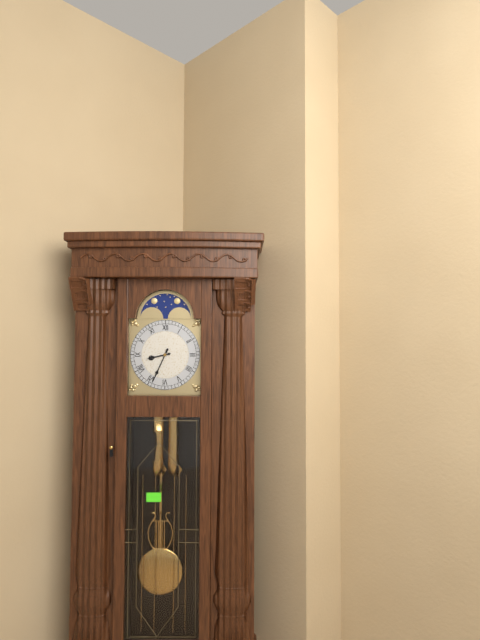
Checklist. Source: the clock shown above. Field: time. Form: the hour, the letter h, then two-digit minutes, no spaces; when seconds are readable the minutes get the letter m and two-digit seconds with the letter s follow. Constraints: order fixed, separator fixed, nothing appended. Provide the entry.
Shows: 8h34
